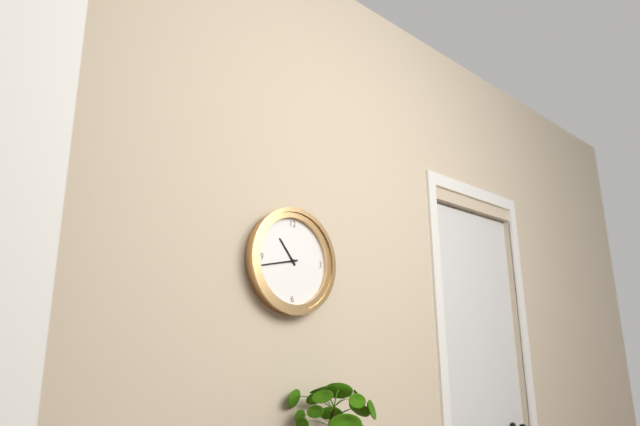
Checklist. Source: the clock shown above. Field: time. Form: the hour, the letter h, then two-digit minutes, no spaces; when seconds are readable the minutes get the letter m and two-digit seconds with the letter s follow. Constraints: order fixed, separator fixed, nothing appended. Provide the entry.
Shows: 10h43
